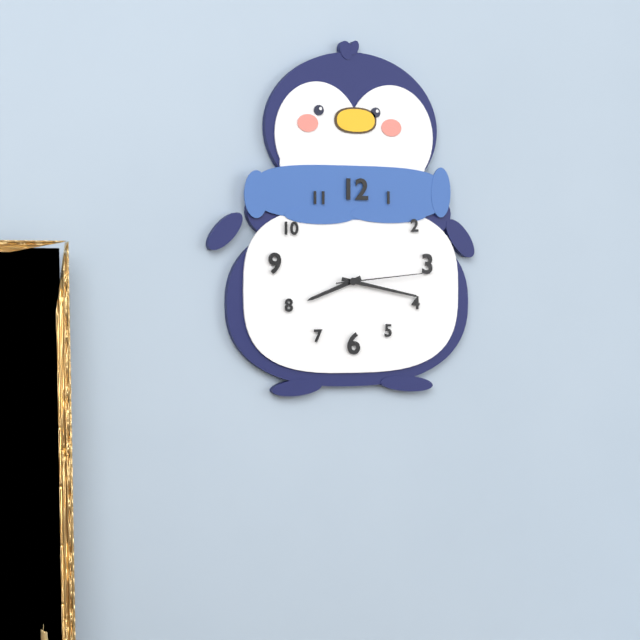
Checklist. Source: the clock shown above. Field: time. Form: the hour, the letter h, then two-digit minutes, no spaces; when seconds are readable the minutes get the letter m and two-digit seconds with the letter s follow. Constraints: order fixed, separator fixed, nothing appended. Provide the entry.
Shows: 8h17m14s
